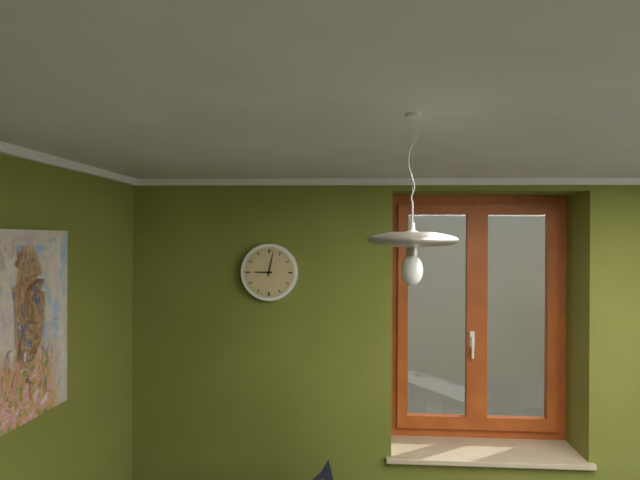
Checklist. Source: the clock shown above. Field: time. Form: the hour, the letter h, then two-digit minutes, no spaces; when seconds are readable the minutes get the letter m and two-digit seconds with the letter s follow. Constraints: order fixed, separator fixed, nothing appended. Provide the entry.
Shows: 9h02
